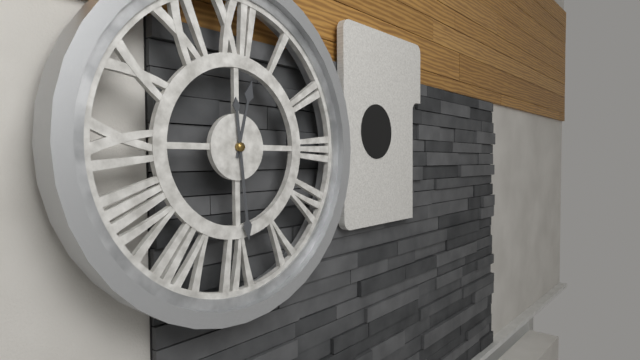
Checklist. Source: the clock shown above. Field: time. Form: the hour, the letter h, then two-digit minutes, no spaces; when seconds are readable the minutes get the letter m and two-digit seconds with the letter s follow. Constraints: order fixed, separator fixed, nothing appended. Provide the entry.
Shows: 12h29
